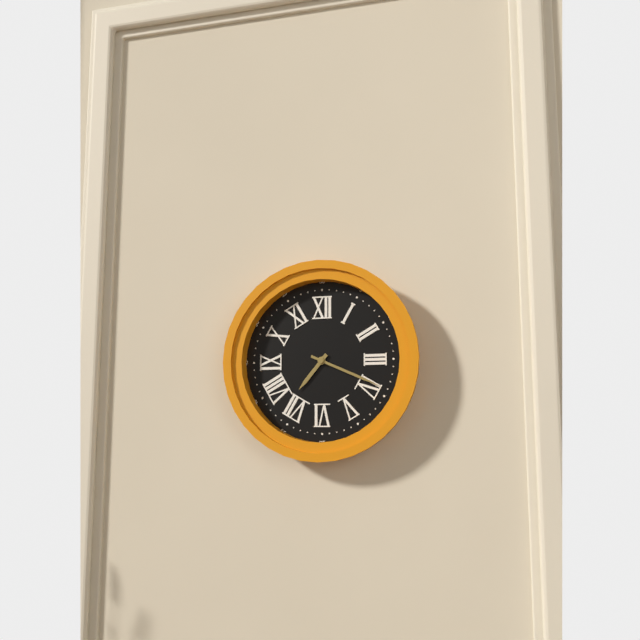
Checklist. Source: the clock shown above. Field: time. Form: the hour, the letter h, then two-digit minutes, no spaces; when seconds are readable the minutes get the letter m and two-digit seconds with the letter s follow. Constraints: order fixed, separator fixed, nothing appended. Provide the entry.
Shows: 7h19
